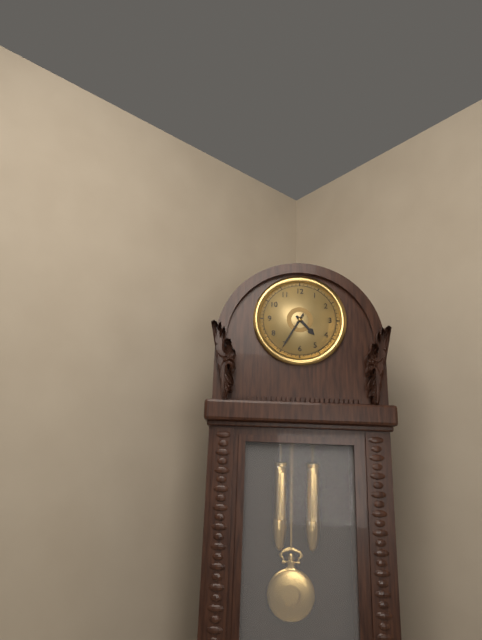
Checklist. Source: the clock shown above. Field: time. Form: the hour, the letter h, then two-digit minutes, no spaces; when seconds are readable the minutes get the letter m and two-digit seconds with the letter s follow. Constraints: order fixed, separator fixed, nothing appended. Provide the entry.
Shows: 4h35
